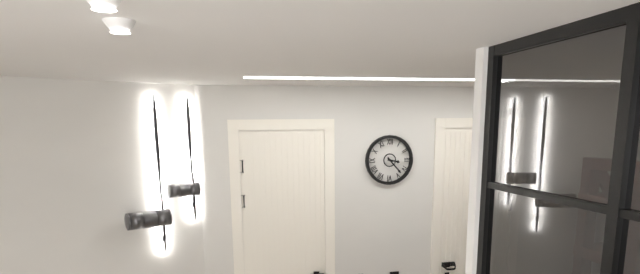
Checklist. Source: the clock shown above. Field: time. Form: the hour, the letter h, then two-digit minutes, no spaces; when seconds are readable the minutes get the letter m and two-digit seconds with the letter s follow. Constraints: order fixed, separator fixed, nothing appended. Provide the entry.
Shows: 3h23
